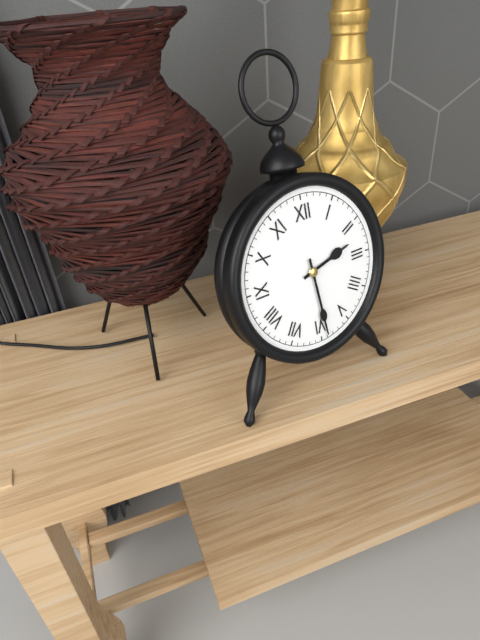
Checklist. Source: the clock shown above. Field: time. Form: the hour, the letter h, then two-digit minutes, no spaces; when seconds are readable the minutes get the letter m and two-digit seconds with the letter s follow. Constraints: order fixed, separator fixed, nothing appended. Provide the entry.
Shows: 2h29
